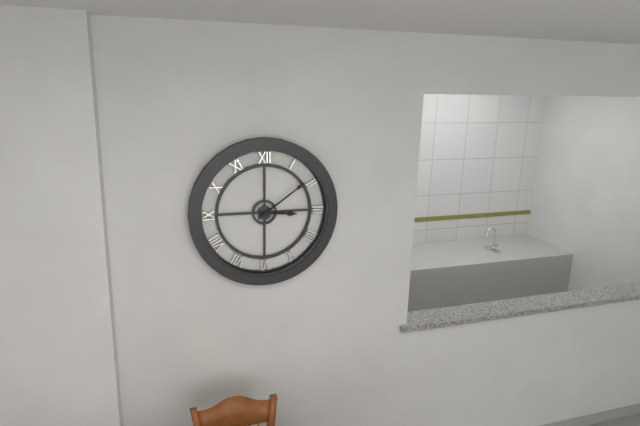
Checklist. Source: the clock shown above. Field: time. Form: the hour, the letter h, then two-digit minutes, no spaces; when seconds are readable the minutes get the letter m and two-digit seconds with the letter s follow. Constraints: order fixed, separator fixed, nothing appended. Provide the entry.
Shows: 3h09
